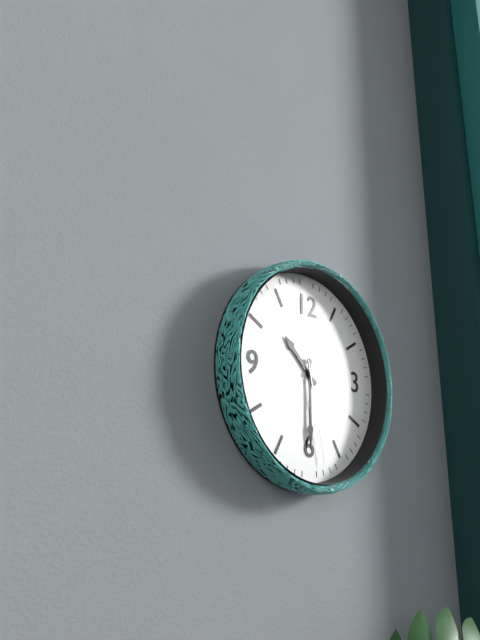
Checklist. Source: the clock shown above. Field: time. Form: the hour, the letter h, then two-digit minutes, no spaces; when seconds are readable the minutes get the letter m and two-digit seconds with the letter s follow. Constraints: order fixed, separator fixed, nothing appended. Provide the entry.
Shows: 10h30m28s
